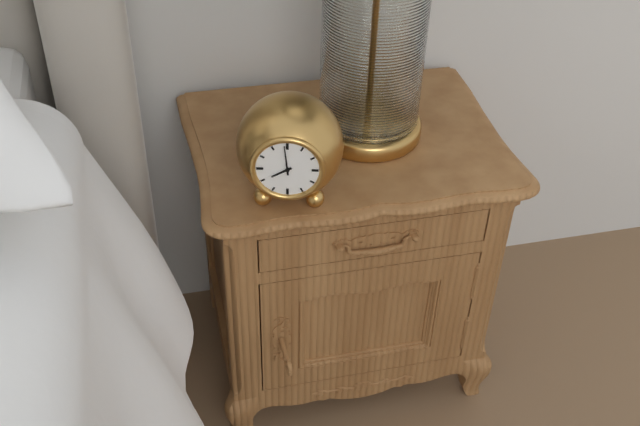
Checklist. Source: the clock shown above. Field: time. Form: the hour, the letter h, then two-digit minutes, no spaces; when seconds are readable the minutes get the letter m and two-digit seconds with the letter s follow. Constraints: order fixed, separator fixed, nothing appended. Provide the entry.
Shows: 7h59
